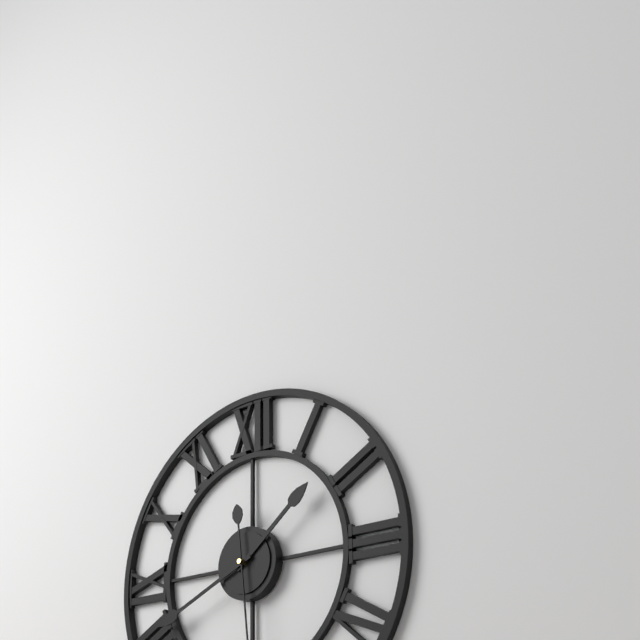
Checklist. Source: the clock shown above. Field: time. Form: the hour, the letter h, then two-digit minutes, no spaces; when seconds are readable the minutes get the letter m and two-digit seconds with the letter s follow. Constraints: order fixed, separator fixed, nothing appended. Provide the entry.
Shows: 1h41
